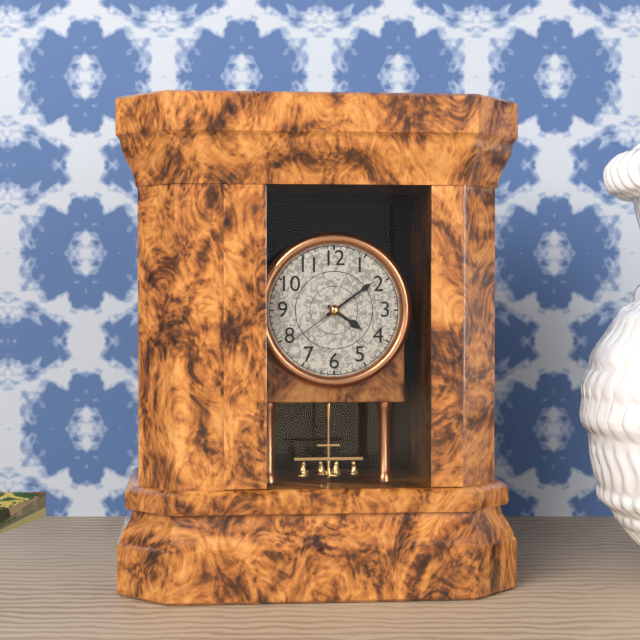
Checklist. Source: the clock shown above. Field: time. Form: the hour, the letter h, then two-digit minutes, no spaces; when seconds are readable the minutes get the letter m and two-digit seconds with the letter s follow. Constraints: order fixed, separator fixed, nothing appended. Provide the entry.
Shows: 4h09m39s
